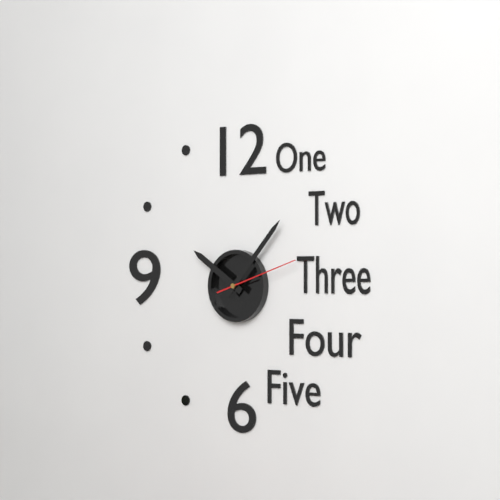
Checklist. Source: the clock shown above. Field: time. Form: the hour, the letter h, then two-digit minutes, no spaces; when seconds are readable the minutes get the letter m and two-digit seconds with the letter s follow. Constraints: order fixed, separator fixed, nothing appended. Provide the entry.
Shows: 10h07m12s
